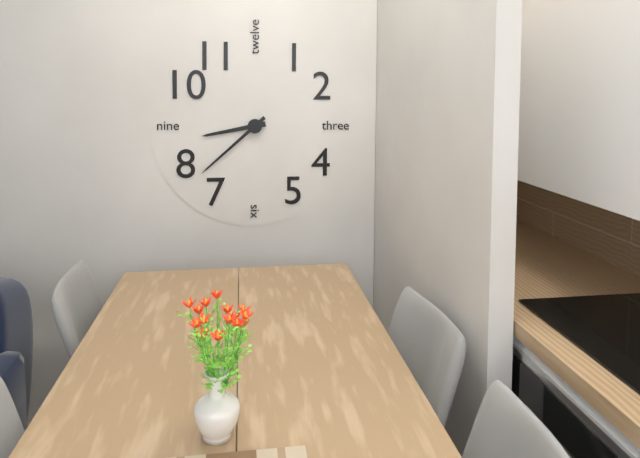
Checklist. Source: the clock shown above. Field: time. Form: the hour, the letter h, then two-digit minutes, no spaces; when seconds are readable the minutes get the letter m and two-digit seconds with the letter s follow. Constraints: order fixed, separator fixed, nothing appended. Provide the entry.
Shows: 8h38
